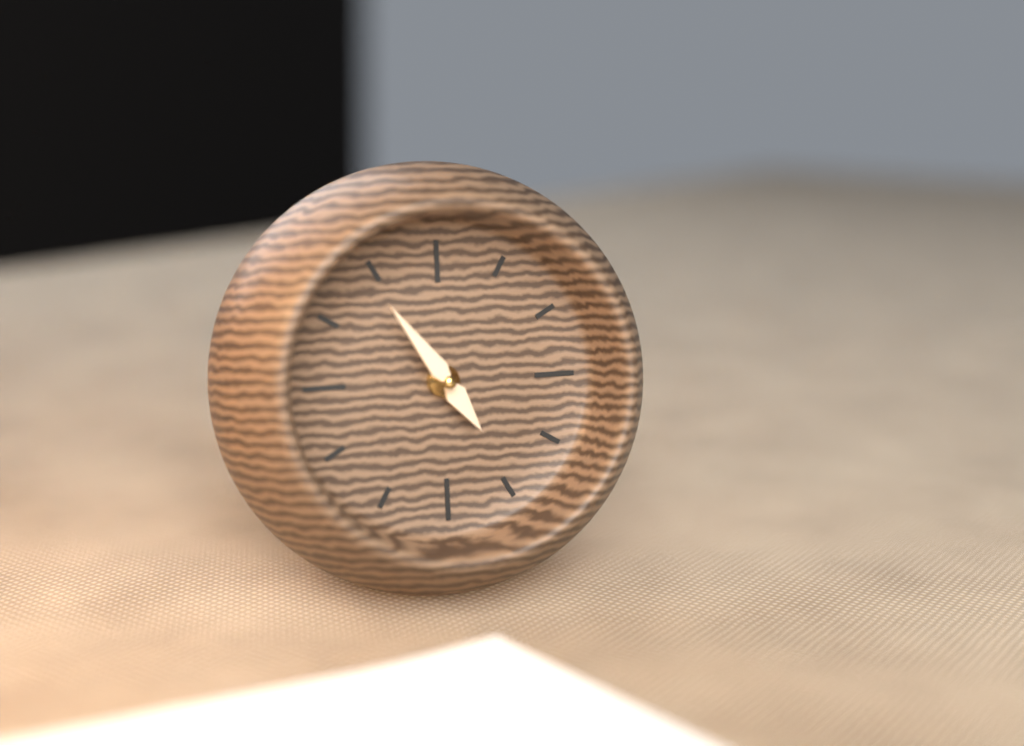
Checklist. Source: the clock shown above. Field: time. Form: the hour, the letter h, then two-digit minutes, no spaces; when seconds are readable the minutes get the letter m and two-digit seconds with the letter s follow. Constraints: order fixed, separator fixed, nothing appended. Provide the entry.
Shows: 4h54
